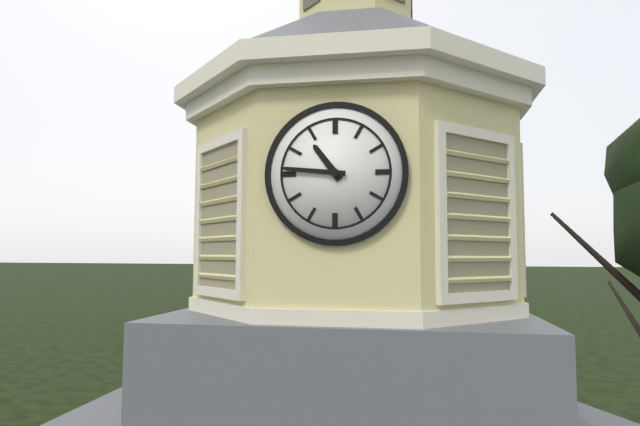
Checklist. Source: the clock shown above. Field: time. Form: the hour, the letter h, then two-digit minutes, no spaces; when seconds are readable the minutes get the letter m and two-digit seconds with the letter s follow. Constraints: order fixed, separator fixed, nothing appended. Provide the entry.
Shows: 10h46
